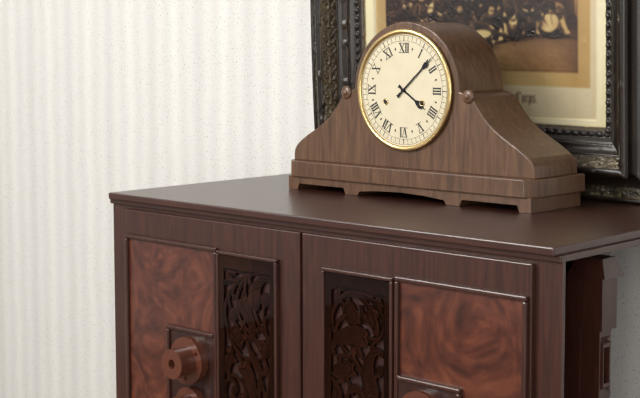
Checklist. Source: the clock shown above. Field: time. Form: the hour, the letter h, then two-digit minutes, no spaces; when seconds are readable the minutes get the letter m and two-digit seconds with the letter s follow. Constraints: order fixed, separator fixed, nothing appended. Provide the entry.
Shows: 4h08
